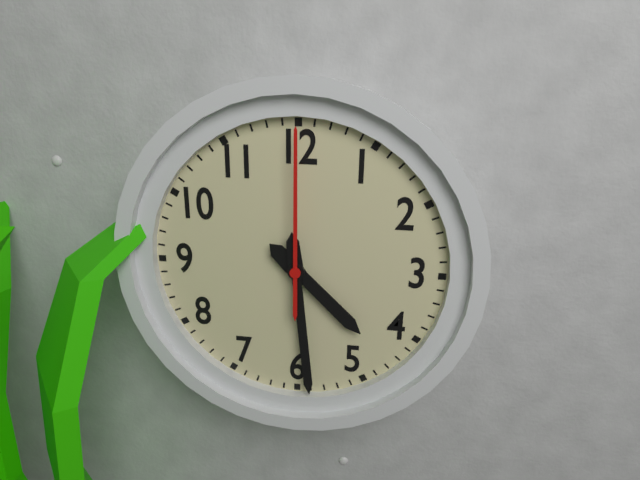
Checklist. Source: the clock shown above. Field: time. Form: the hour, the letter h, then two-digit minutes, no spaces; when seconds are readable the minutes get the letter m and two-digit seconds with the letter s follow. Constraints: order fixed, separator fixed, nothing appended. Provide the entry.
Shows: 4h29m00s
